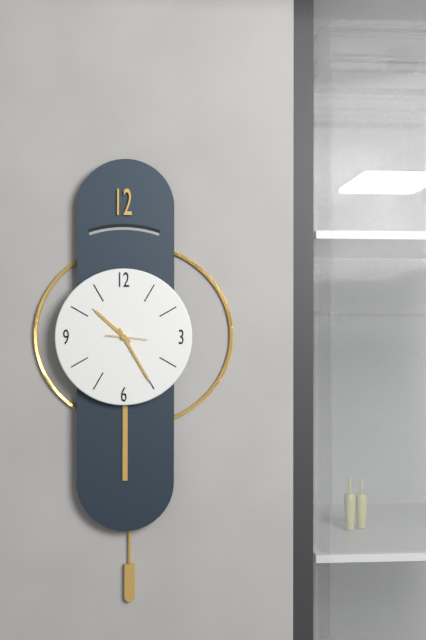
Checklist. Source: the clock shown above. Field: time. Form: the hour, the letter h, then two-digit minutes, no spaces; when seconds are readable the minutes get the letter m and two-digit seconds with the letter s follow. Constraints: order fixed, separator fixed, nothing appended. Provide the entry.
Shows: 10h25
